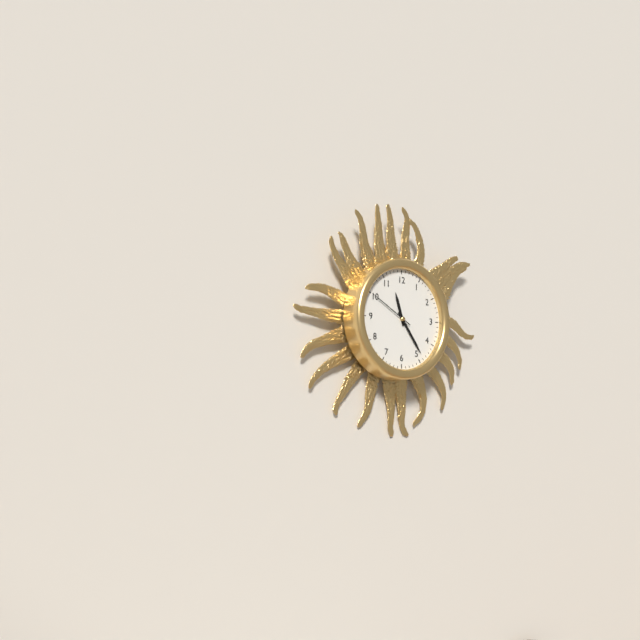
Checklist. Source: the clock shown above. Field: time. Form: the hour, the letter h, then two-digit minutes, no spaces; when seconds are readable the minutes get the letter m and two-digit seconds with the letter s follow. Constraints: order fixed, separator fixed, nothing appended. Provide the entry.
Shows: 11h24m50s
